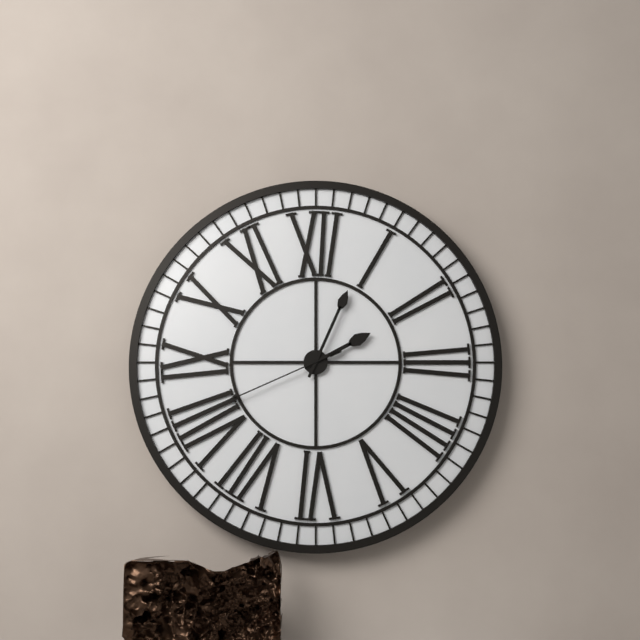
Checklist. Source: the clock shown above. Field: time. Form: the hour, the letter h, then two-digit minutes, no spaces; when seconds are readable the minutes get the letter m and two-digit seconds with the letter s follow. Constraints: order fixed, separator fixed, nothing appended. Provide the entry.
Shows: 2h04m41s
